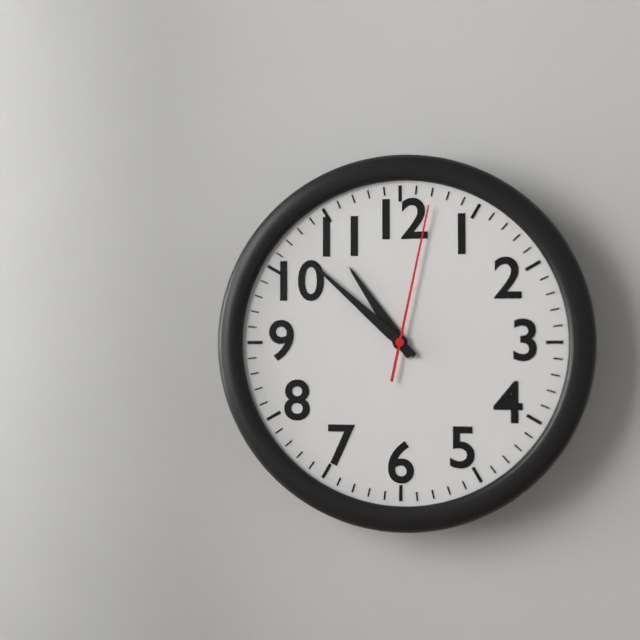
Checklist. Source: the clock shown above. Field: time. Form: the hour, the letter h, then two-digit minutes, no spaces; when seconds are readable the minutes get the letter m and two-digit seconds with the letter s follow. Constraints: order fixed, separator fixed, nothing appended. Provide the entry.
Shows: 10h52m02s
